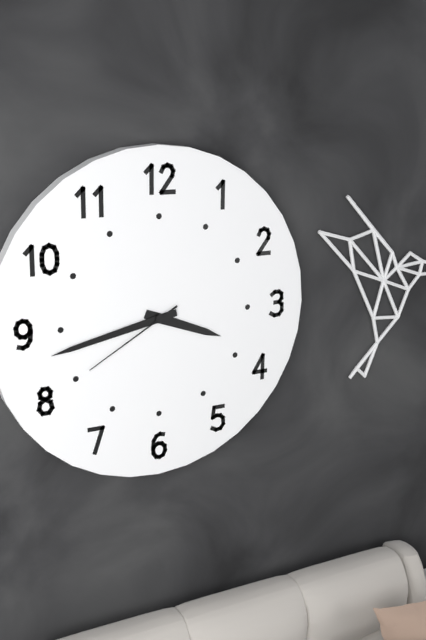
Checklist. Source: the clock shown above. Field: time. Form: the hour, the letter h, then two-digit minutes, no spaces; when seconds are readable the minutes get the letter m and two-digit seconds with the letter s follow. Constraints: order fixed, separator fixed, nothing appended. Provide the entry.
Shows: 3h43m40s
